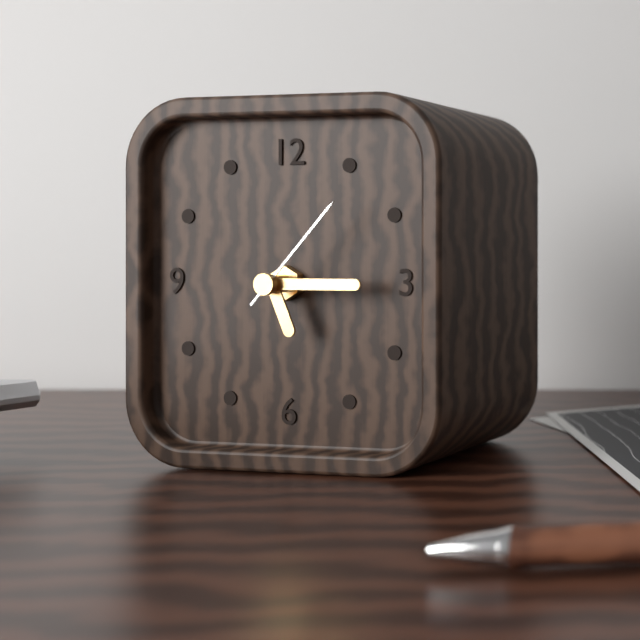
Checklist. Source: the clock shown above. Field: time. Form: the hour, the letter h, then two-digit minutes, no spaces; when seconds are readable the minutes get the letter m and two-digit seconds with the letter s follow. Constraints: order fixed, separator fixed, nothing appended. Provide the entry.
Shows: 5h15m07s
